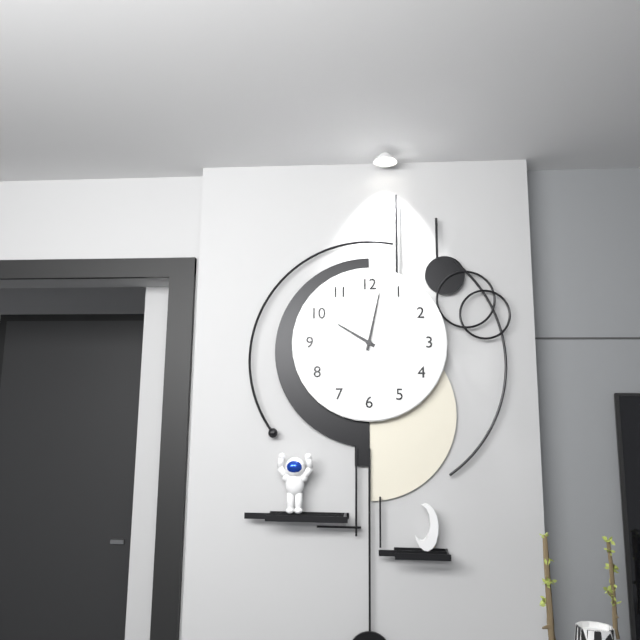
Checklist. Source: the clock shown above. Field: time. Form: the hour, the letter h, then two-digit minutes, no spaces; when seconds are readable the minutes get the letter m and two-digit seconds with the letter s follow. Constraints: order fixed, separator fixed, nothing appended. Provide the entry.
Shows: 10h02
